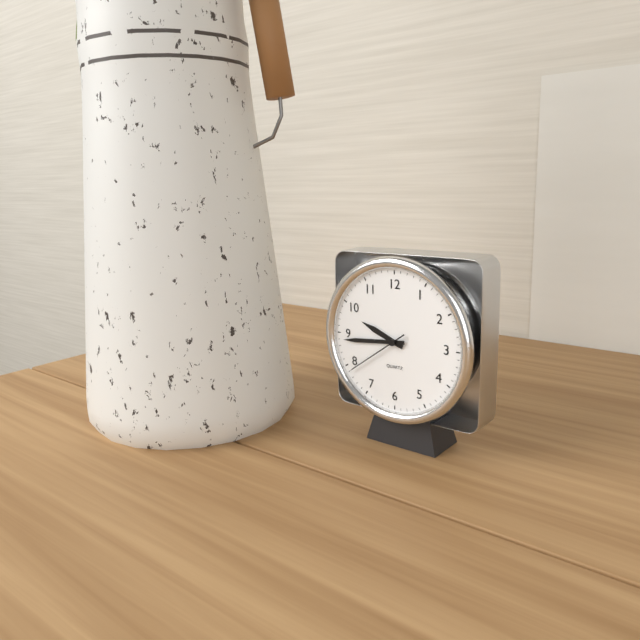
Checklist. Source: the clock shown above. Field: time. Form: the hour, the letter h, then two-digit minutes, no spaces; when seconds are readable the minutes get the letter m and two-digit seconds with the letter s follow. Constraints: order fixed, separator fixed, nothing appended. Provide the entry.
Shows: 9h44m39s
